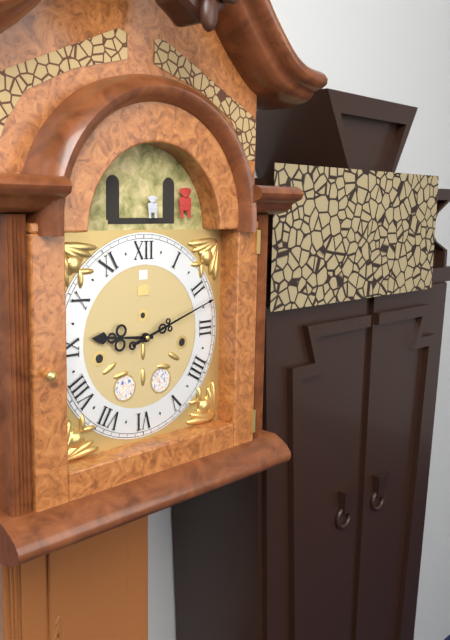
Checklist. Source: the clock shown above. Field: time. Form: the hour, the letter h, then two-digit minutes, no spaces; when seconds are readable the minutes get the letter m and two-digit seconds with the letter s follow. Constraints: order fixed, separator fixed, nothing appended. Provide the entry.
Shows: 9h12
